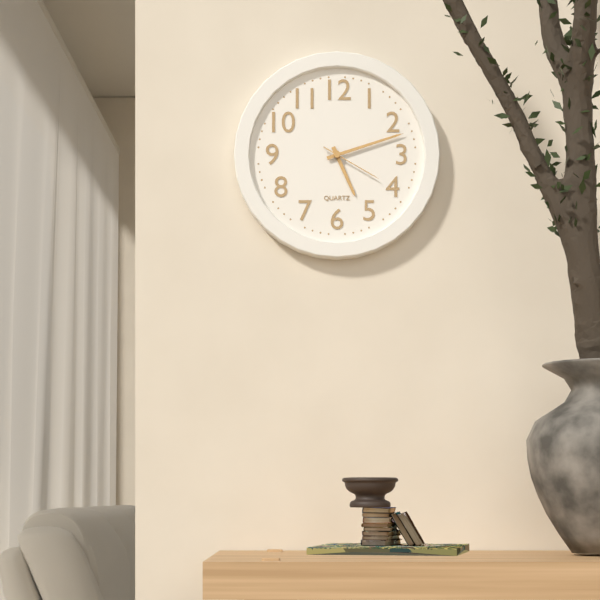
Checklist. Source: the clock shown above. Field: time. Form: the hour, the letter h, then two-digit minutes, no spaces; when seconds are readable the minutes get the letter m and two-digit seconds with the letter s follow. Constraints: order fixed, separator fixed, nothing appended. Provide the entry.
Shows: 5h12m20s
